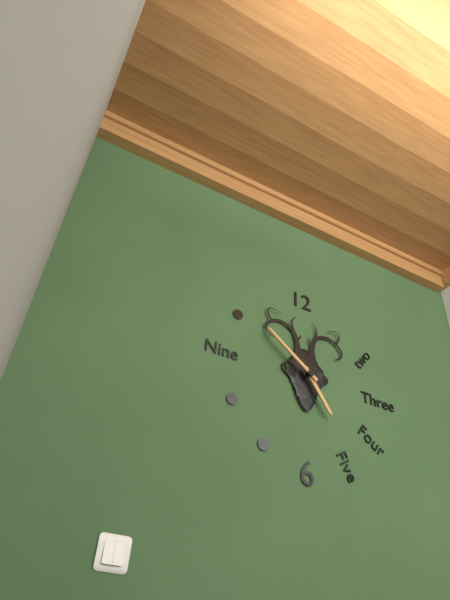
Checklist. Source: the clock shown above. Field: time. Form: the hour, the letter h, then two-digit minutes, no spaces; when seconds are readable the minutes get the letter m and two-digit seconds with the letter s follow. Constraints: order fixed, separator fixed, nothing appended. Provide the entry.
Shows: 4h51
